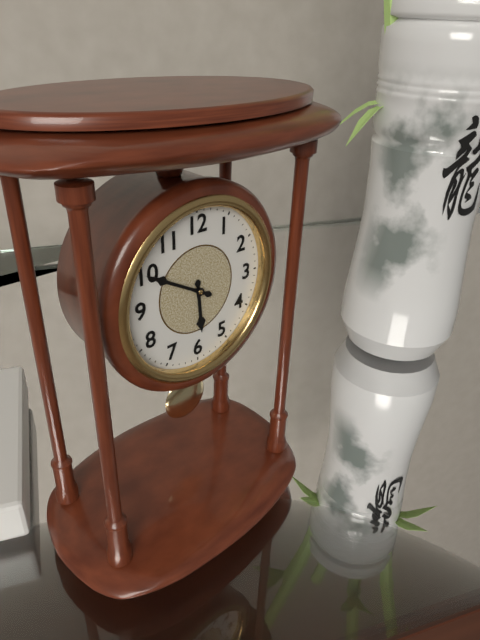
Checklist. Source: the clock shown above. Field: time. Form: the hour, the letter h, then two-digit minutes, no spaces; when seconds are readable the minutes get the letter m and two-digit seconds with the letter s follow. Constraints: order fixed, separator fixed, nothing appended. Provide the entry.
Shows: 5h50
